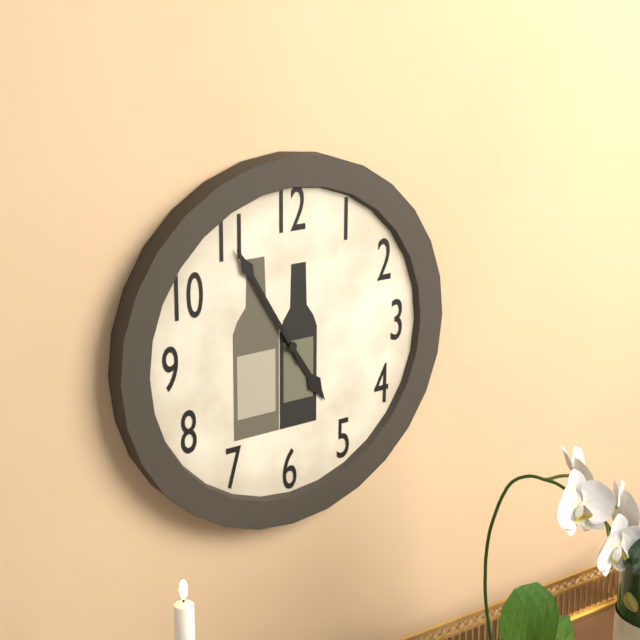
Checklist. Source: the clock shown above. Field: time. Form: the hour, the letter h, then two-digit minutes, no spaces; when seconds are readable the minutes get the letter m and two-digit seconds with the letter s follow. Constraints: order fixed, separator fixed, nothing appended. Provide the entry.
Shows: 4h55
